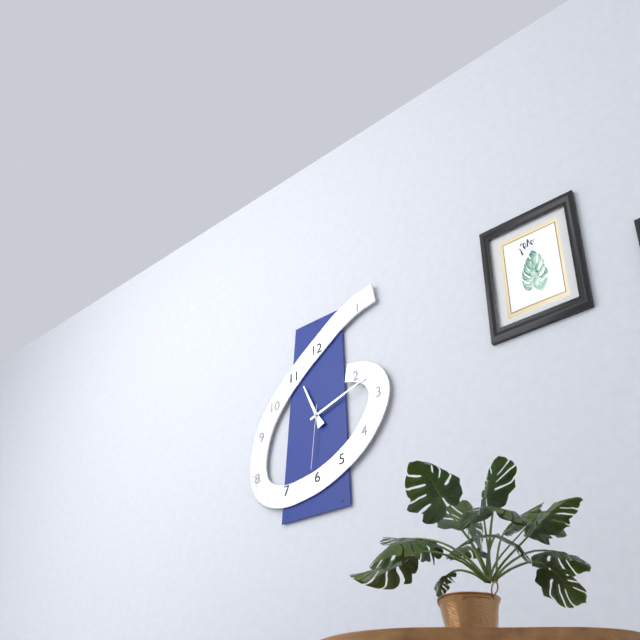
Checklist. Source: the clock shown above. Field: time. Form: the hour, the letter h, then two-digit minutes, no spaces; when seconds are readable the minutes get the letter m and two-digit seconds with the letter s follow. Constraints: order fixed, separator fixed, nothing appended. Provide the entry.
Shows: 11h12m31s
